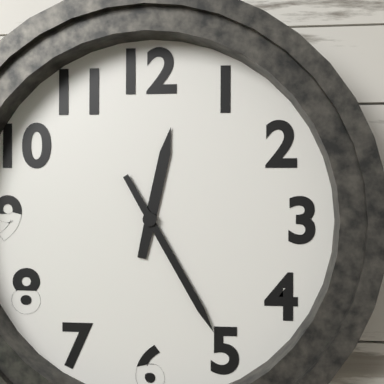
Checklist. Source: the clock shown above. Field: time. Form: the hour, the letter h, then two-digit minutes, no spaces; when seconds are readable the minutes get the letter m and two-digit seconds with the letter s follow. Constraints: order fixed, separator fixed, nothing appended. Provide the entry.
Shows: 12h25
